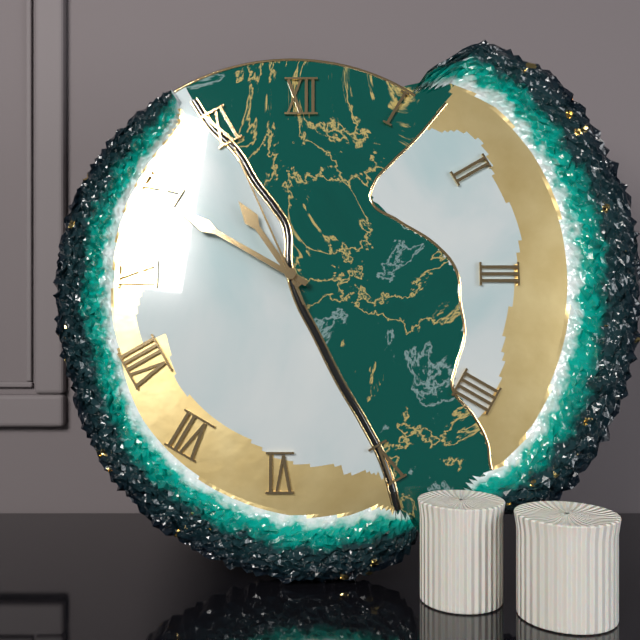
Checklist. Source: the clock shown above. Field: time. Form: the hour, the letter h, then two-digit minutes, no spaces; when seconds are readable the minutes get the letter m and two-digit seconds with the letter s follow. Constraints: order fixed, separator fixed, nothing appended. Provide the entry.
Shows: 10h50m56s
